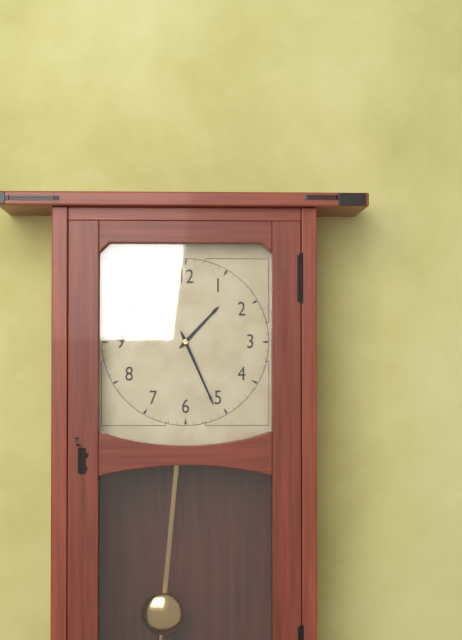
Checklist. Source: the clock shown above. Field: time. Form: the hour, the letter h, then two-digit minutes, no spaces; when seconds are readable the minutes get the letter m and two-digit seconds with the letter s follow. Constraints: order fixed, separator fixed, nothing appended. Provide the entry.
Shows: 1h26
